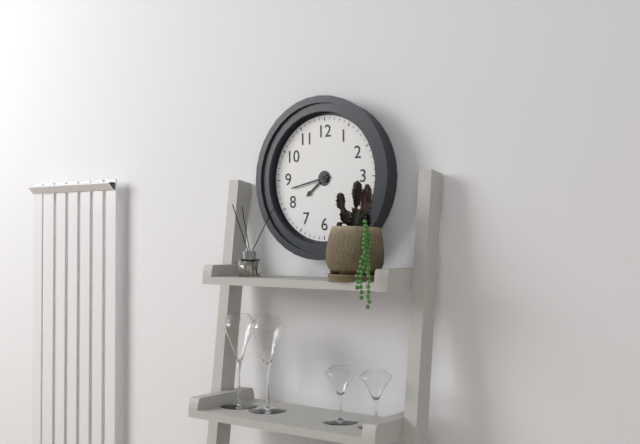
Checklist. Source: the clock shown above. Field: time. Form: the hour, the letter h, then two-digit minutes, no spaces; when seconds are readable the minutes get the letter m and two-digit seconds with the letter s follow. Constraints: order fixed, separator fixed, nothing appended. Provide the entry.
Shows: 7h43
